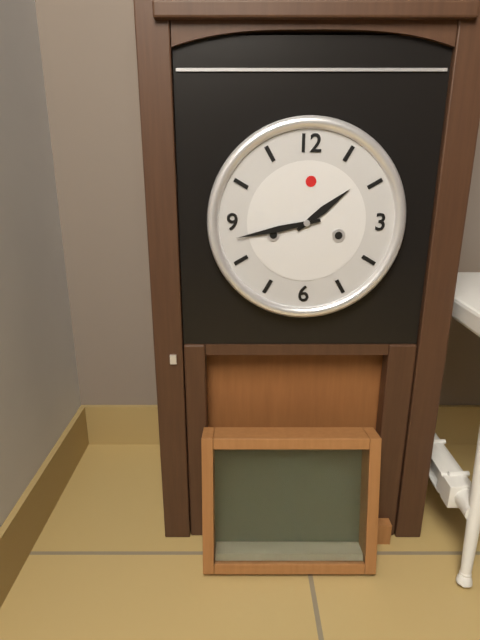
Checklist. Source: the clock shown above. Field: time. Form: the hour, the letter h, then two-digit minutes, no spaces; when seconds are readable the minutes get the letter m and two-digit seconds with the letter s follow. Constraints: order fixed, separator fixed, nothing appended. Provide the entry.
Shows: 1h43
